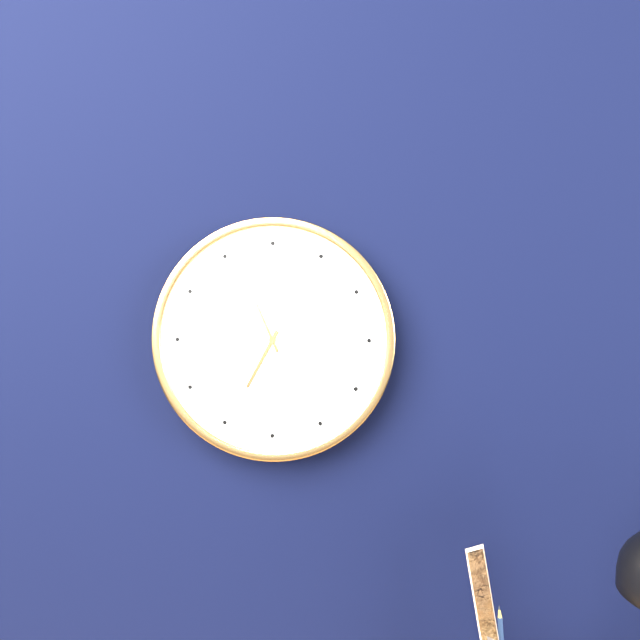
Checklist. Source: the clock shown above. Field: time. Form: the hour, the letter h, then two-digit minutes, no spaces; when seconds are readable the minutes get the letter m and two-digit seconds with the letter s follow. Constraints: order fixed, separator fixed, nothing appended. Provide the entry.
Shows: 6h56
